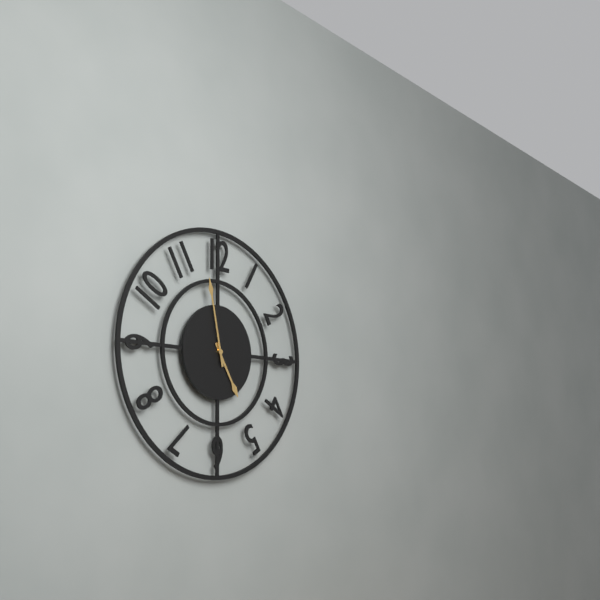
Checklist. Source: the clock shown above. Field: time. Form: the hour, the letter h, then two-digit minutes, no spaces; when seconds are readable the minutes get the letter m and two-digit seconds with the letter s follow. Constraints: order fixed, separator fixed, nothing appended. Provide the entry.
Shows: 4h58
